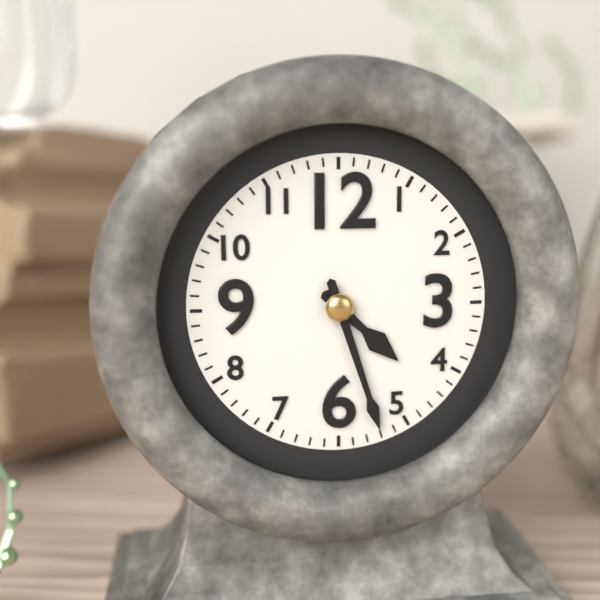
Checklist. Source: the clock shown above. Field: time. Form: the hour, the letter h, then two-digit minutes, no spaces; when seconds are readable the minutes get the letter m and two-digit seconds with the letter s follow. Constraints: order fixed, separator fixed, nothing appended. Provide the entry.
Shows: 4h27
